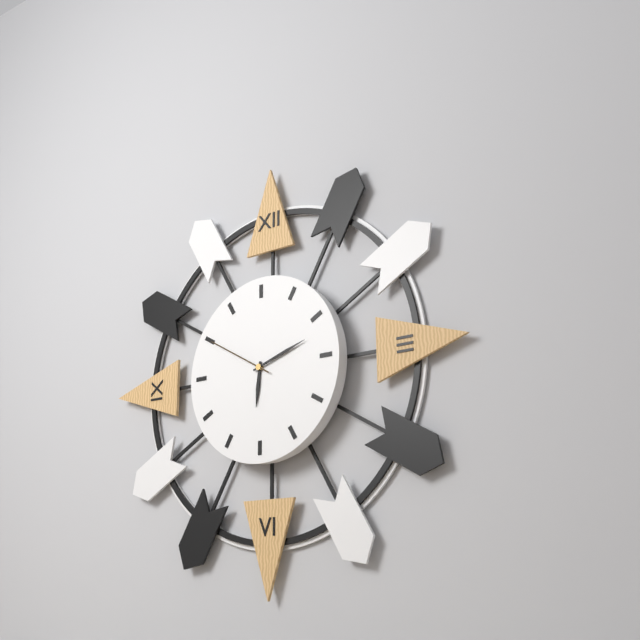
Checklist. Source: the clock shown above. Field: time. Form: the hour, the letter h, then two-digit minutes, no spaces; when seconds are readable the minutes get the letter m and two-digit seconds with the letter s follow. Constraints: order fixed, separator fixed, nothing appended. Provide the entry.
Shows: 6h12m50s
